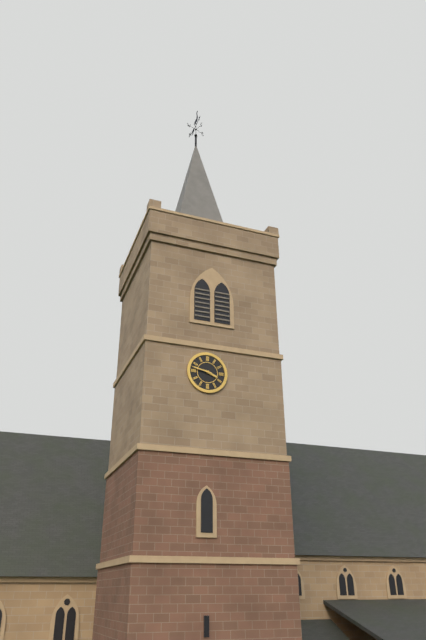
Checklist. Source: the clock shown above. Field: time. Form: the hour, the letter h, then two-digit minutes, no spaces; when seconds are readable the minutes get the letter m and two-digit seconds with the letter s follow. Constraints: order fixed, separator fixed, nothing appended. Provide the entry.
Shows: 3h47
